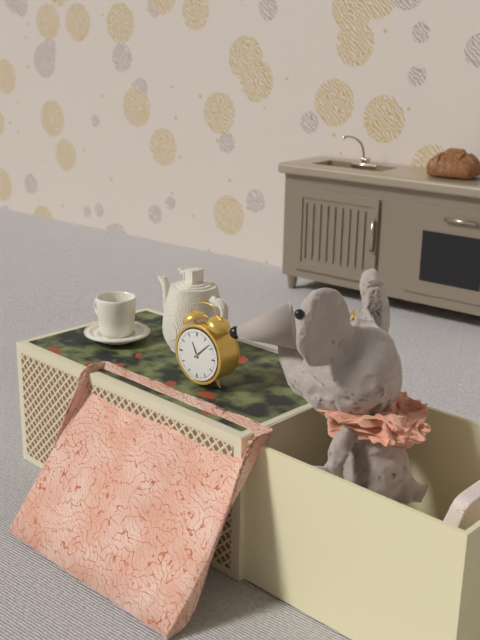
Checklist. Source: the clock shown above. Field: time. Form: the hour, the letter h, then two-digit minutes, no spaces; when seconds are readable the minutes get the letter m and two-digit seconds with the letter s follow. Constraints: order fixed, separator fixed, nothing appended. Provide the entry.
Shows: 11h08
